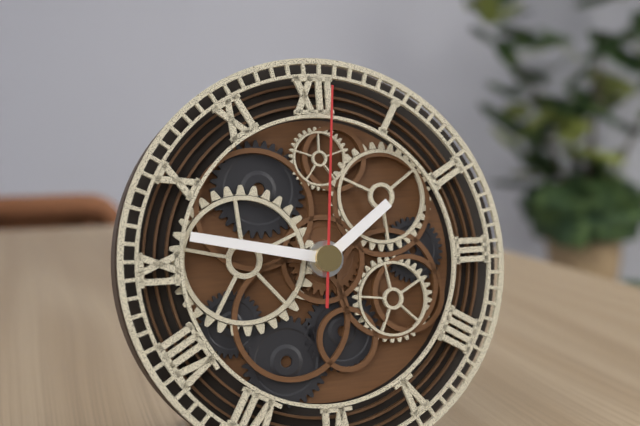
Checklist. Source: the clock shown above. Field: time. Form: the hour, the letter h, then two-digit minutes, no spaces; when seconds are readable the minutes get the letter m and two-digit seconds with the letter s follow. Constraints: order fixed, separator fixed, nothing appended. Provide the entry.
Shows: 1h47m01s
